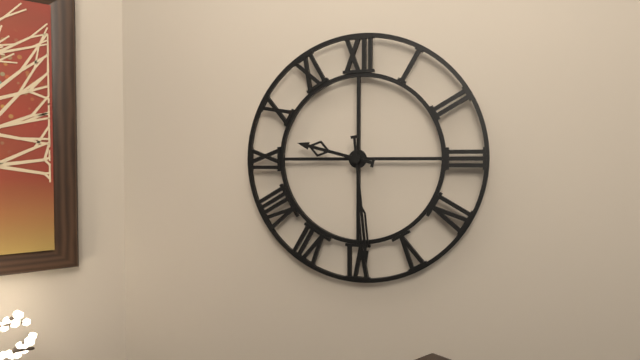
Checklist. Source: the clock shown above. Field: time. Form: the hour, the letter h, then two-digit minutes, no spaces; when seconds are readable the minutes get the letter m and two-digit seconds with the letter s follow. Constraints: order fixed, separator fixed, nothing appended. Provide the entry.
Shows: 9h29
